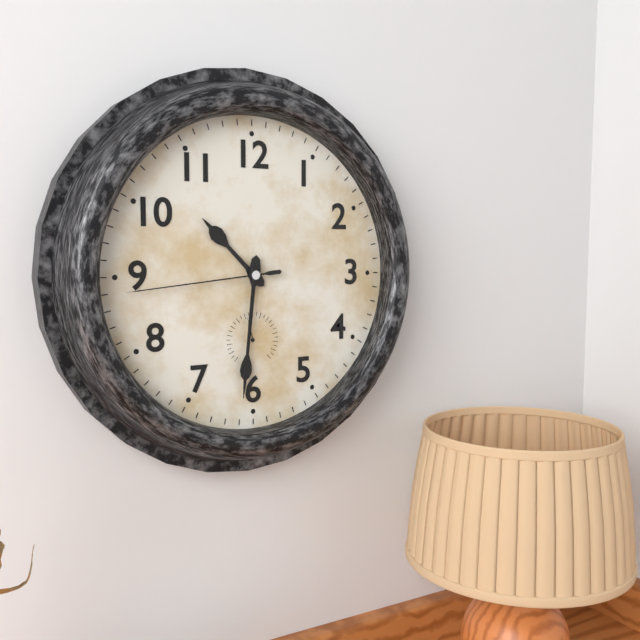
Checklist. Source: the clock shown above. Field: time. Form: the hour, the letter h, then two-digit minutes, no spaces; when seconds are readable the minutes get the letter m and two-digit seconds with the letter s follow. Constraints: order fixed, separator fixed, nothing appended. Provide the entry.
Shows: 10h31m44s
